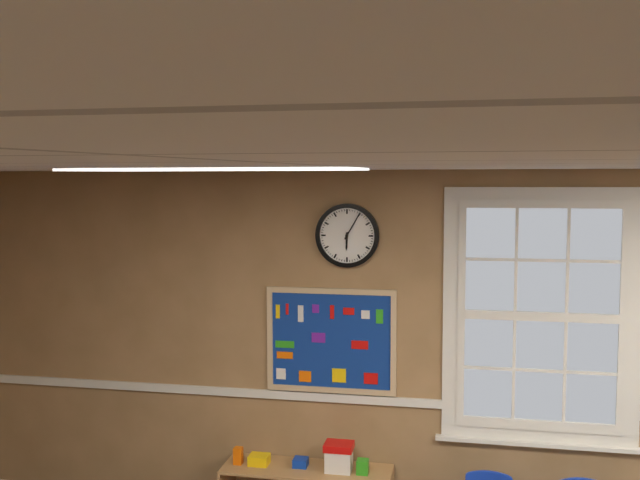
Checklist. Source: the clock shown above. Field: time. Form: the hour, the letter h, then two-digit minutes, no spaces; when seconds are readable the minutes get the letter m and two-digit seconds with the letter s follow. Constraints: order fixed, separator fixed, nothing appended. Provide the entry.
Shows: 6h05
